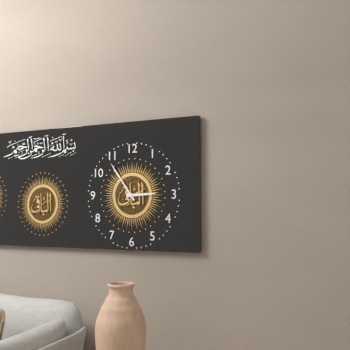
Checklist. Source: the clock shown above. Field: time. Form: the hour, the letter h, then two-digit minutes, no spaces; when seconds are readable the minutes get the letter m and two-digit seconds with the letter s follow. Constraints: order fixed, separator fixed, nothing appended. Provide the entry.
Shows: 2h54
